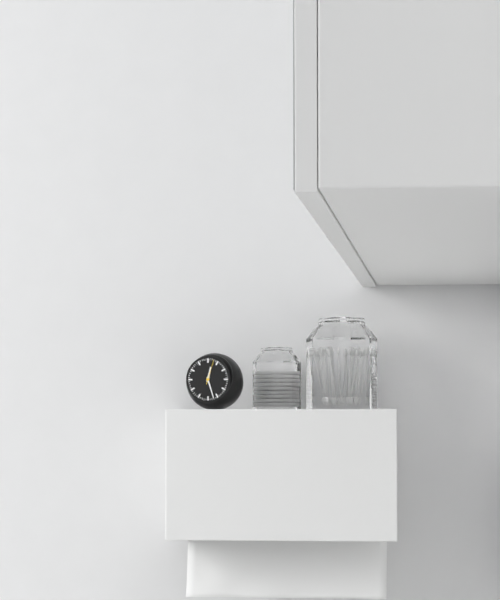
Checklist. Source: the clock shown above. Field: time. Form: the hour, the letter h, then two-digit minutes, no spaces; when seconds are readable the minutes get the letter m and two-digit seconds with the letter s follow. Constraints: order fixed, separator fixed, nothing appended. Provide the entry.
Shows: 12h27
